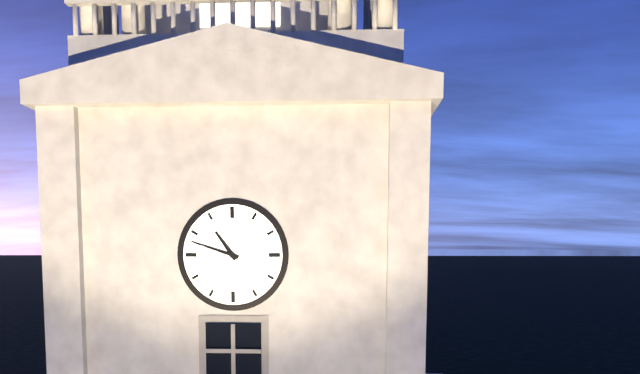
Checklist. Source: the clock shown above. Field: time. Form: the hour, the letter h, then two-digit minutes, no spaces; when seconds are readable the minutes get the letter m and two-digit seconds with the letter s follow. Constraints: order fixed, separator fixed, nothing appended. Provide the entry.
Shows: 10h48
